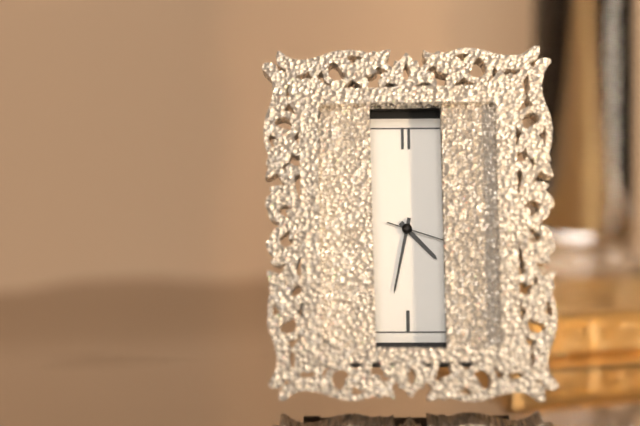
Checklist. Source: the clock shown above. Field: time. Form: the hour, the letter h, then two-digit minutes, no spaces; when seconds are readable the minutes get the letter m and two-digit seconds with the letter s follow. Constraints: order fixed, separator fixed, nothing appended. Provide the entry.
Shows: 4h32m18s
